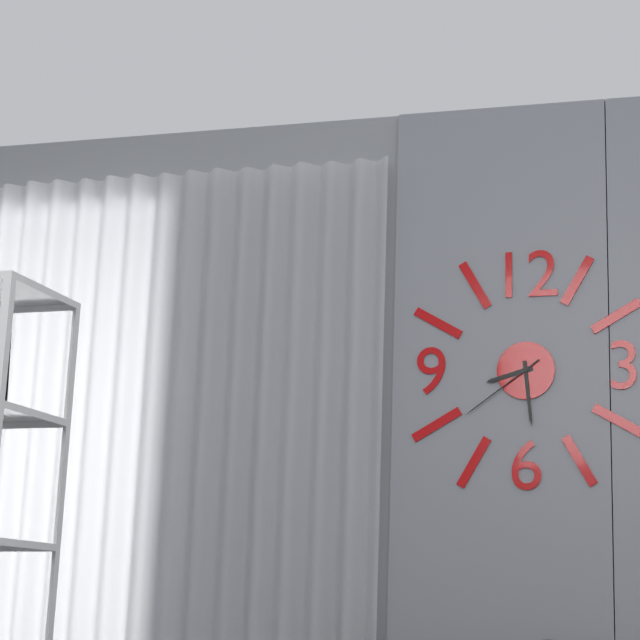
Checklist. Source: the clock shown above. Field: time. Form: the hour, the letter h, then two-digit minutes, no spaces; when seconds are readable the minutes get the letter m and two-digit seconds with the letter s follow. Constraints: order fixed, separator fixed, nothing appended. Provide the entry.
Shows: 8h29m39s
